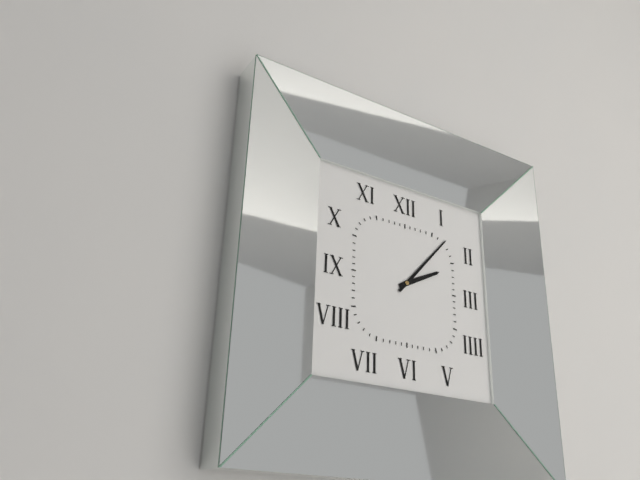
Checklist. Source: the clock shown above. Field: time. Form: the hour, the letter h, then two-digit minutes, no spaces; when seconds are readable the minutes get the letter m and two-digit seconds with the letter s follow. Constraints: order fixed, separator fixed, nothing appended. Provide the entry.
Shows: 2h07
